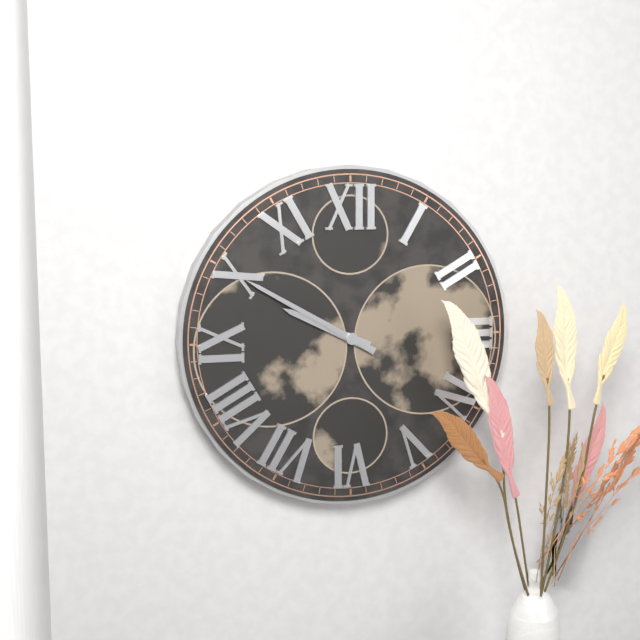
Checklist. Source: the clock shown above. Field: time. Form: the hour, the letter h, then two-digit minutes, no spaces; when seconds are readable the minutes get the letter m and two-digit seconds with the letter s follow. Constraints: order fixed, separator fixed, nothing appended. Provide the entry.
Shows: 9h50
